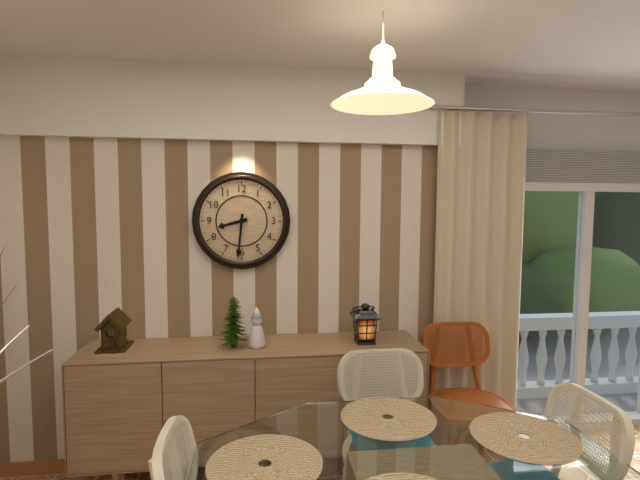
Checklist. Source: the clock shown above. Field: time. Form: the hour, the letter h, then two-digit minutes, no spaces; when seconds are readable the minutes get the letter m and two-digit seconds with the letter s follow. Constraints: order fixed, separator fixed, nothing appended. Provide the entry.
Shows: 8h31
